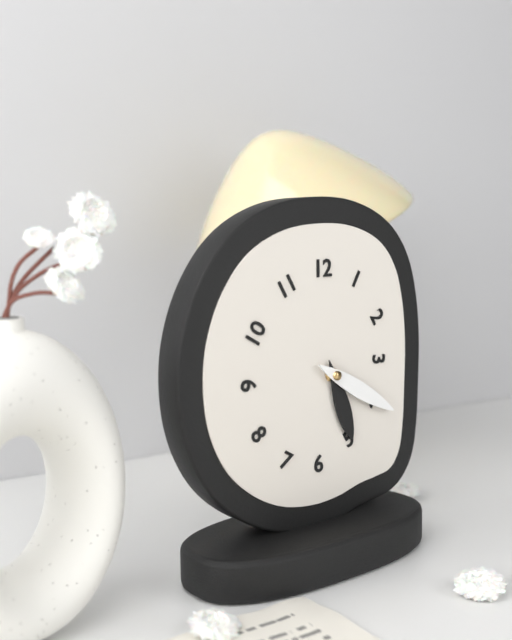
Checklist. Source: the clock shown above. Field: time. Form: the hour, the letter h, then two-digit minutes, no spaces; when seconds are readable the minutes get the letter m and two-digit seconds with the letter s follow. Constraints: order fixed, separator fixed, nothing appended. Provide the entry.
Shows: 5h20
